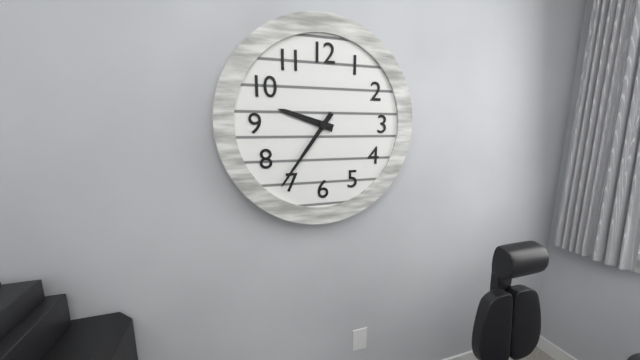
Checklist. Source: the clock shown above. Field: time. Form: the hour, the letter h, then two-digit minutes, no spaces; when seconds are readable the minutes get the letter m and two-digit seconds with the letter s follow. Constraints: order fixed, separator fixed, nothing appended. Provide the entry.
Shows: 9h36
